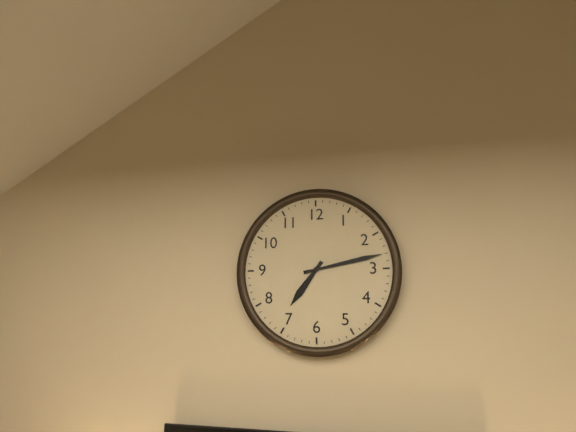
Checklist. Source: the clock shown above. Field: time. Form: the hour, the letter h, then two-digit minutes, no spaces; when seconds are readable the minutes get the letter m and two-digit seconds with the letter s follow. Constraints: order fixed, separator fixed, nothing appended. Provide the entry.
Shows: 7h13
